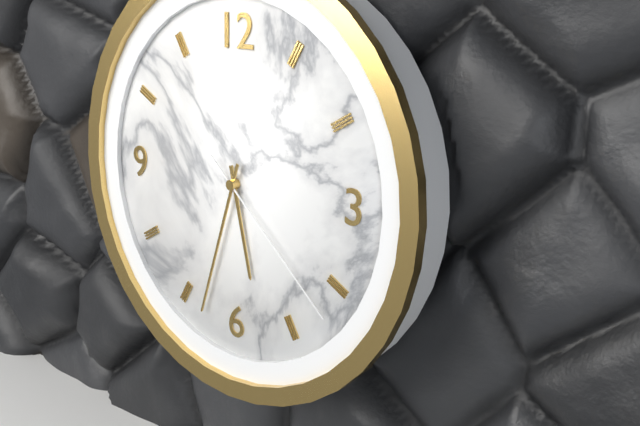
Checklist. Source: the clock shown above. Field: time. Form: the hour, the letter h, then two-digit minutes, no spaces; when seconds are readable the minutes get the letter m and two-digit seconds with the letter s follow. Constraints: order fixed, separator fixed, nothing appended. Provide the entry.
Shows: 5h33m22s
